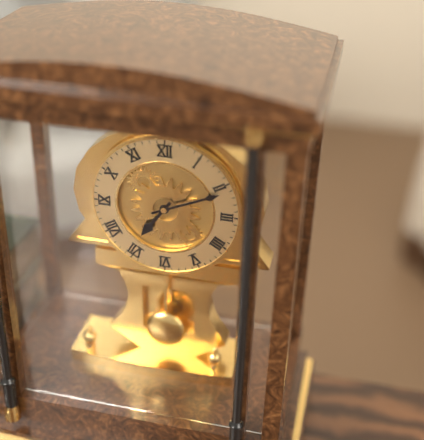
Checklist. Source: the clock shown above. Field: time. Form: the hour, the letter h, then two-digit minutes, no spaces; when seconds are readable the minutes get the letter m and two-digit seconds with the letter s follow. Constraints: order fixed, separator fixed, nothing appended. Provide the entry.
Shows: 7h11
